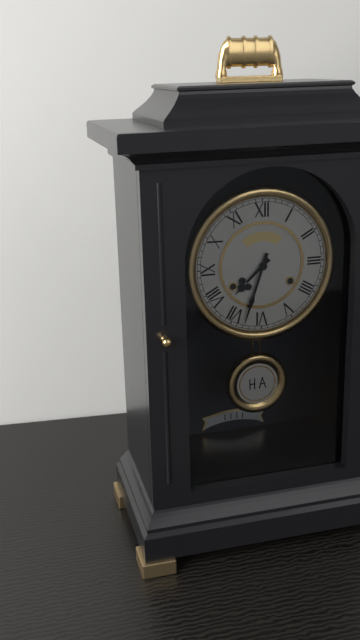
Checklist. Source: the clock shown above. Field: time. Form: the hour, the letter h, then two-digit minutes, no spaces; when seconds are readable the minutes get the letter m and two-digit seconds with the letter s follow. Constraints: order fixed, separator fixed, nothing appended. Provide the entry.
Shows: 7h33
